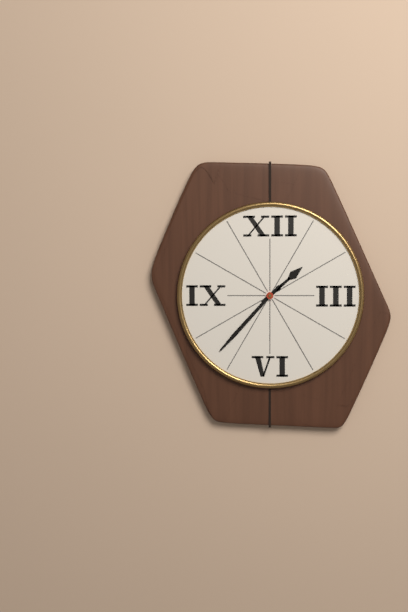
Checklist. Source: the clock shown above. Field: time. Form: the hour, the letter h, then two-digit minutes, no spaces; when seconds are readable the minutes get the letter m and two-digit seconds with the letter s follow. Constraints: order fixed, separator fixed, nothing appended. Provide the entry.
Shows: 1h37
